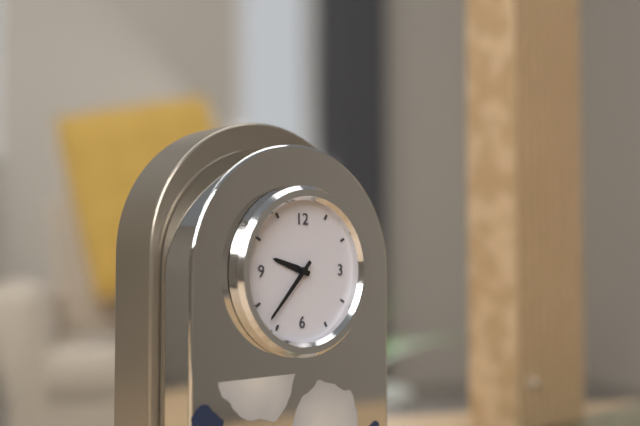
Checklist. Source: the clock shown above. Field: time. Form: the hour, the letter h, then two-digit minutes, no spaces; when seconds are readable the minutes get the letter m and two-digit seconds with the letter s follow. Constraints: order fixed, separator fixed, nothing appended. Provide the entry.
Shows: 9h37
